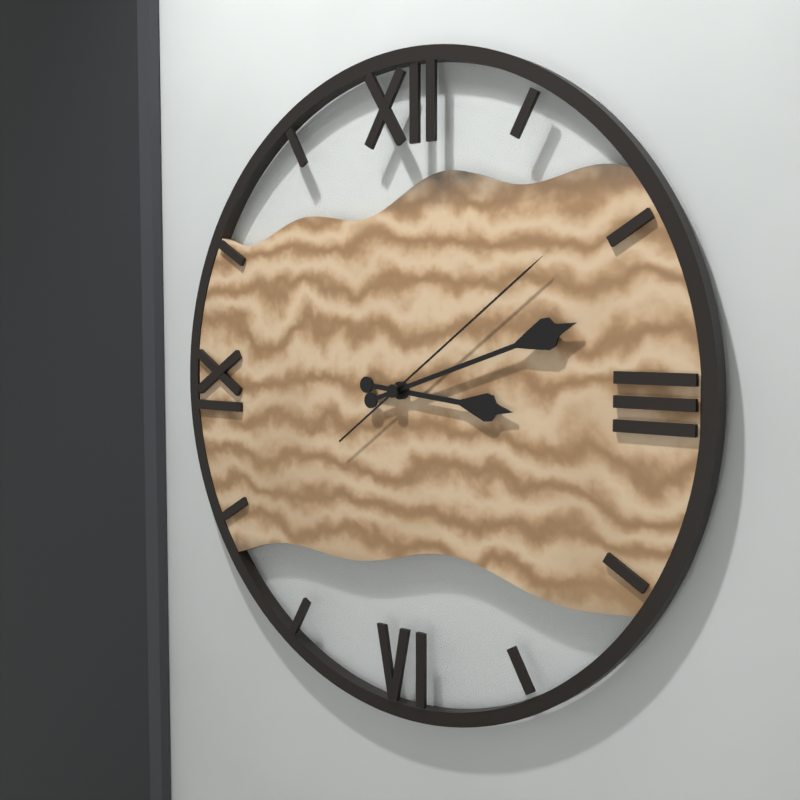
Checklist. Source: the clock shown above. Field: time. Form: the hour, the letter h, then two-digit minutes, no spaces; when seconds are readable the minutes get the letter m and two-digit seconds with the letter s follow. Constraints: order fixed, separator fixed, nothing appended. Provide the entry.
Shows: 3h12m09s
